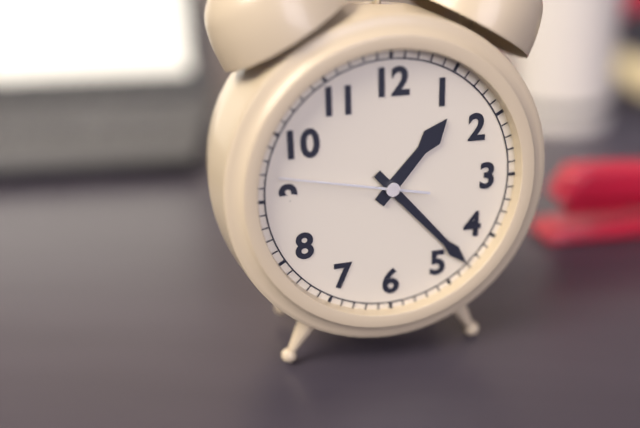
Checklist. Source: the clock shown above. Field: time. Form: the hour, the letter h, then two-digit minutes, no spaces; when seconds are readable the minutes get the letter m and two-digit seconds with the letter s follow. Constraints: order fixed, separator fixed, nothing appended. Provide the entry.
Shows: 1h23m47s
